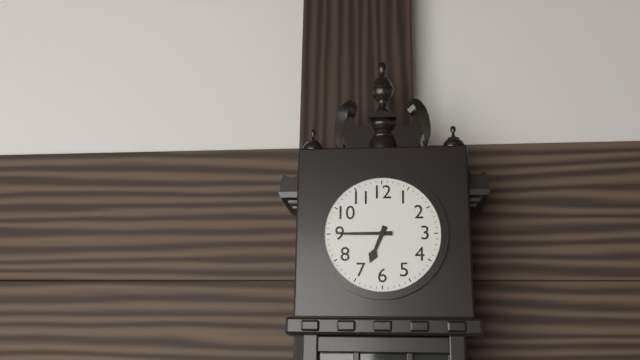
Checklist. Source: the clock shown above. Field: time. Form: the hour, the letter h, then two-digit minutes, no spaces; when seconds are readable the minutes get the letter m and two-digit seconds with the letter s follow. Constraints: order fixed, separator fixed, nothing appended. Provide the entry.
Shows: 6h45
